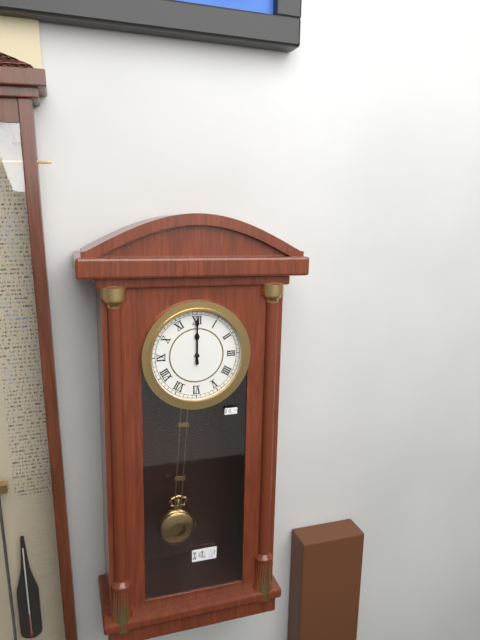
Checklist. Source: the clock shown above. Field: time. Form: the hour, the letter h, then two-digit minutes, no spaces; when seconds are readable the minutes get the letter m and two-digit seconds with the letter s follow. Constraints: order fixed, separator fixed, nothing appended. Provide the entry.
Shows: 12h00
